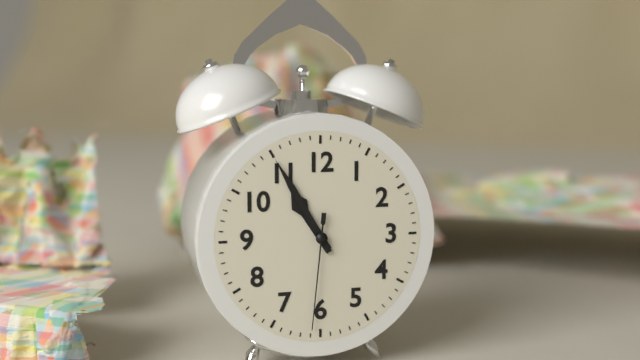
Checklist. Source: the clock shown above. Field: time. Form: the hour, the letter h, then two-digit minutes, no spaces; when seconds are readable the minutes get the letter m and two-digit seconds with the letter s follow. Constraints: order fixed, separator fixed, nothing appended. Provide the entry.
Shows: 10h55m31s
